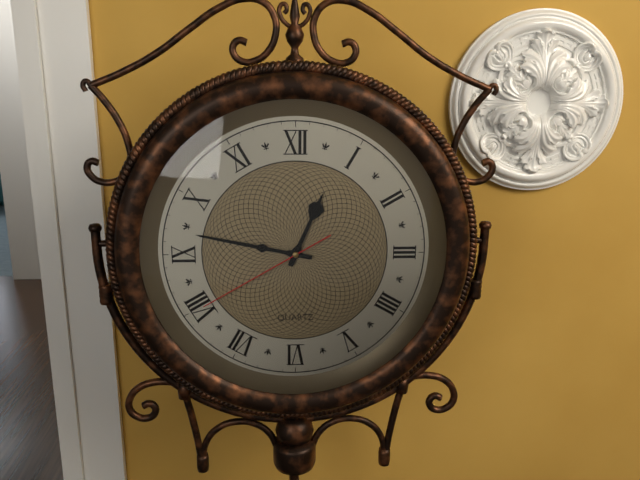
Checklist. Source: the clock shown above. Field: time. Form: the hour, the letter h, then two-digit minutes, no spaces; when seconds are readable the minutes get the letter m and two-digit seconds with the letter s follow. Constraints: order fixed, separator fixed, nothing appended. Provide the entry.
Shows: 12h47m40s
